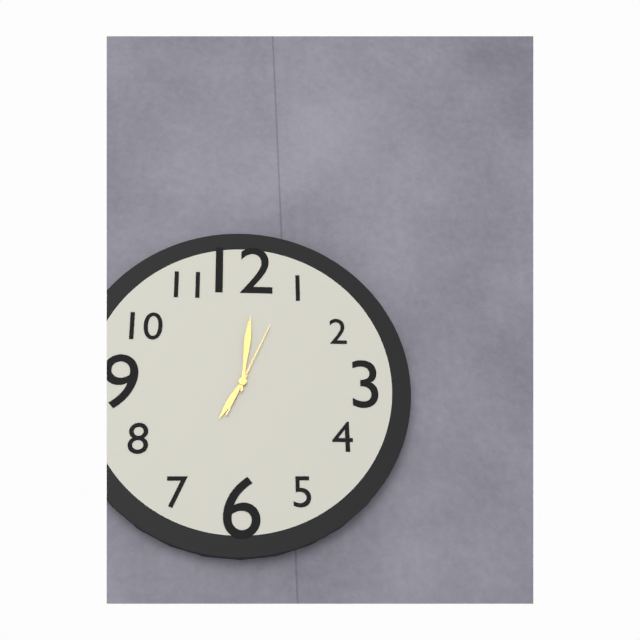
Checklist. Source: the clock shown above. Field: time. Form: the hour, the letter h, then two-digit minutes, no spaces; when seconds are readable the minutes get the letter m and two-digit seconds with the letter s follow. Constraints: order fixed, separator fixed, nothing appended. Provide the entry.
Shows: 7h01m04s
